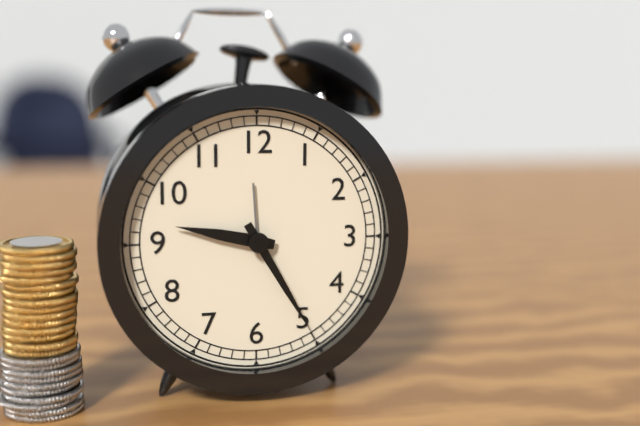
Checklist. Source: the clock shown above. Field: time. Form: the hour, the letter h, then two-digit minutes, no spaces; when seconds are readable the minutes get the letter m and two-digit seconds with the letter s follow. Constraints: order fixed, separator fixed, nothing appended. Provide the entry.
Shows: 9h25
